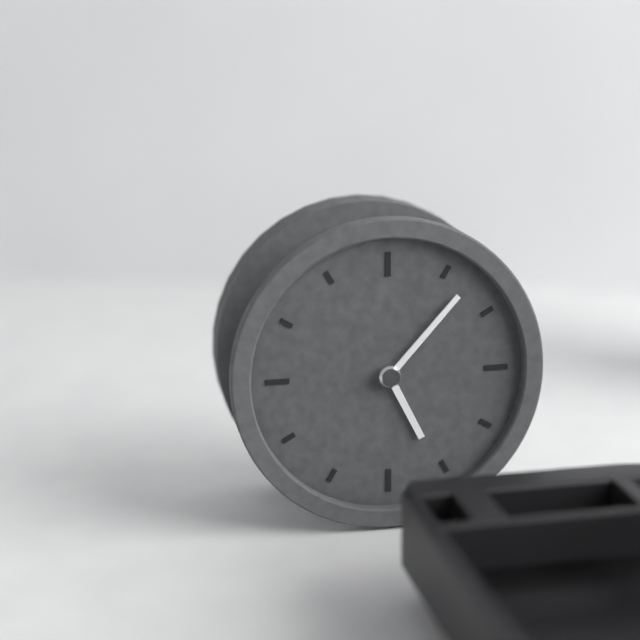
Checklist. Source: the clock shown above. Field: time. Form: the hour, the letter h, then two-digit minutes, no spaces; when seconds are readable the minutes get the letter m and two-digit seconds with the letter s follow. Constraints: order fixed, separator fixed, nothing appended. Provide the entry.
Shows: 5h07
